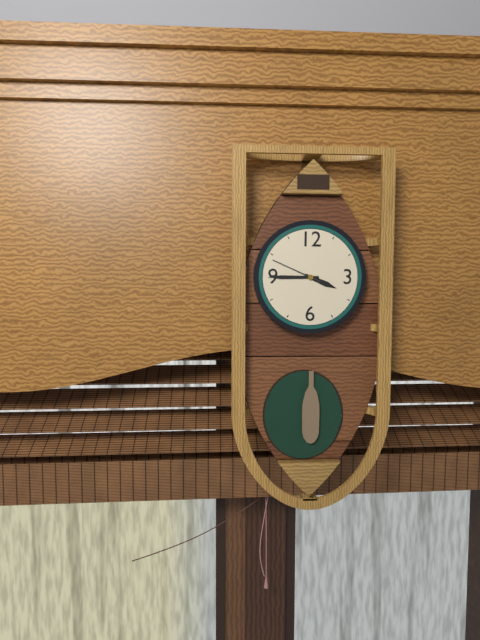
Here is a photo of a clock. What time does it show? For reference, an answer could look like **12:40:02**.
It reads **3:45:49**
